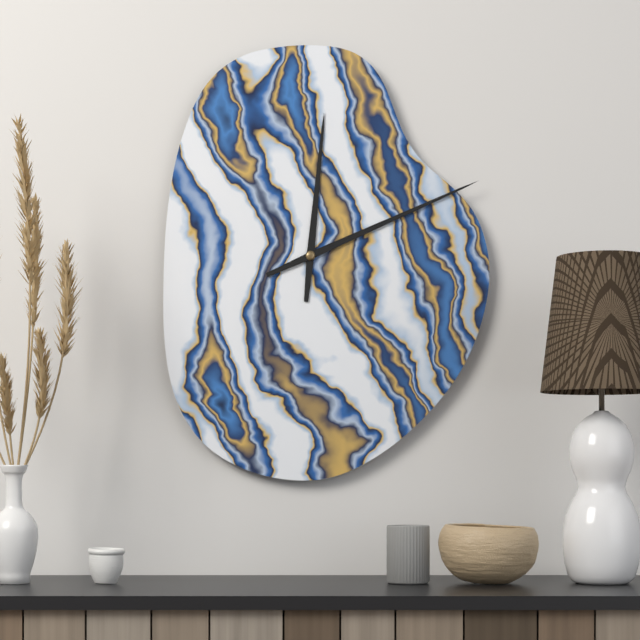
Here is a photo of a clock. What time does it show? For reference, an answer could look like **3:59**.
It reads **12:11**
